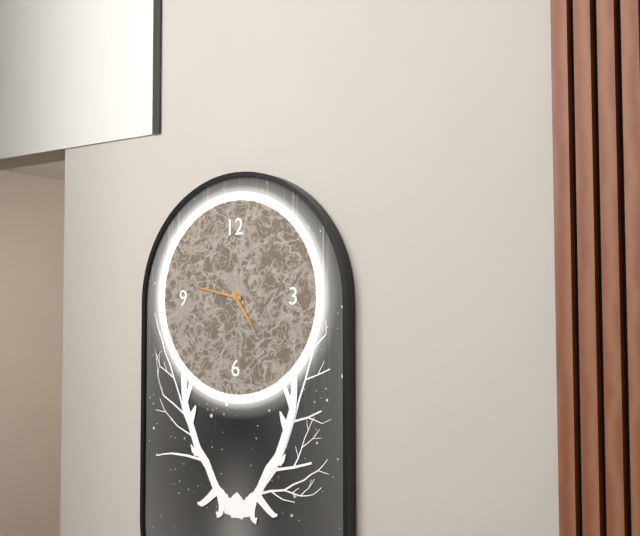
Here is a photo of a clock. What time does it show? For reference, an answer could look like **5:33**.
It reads **4:47**
